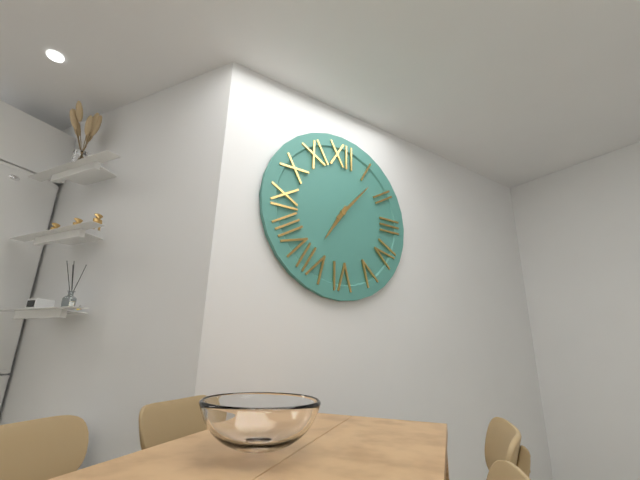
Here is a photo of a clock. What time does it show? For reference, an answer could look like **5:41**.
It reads **7:07**
